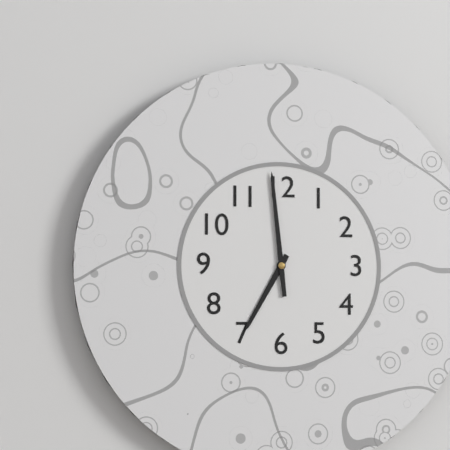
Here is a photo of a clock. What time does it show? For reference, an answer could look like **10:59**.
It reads **6:59**
